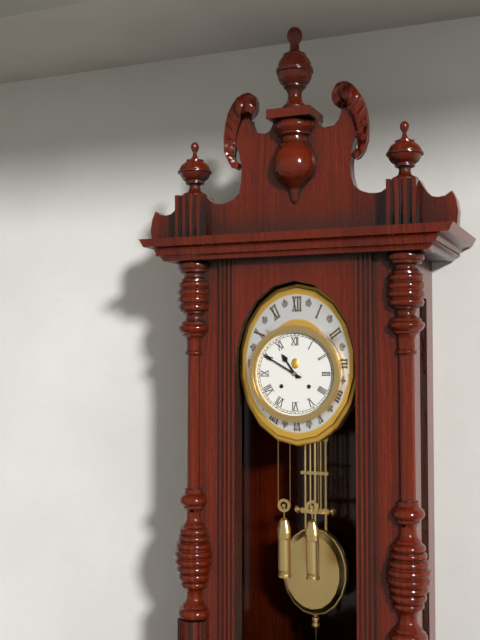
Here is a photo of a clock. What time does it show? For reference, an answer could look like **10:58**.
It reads **10:50**
